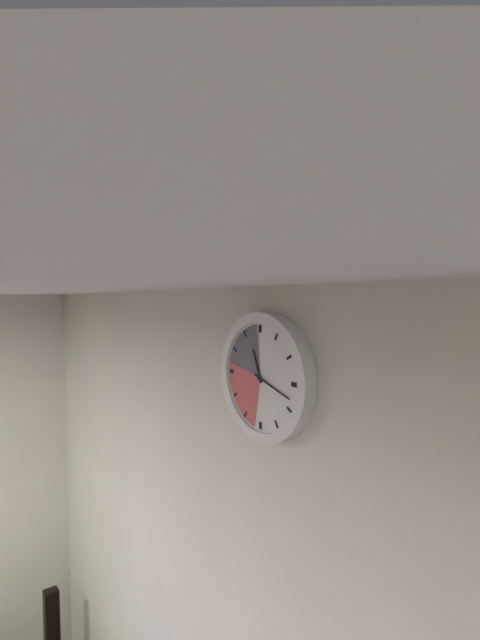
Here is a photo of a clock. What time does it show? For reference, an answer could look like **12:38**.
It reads **11:18**
